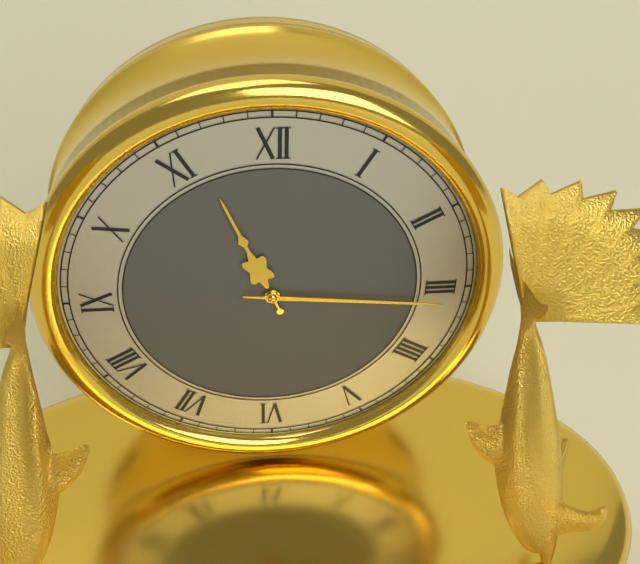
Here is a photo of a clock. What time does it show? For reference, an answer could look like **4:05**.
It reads **11:16**
